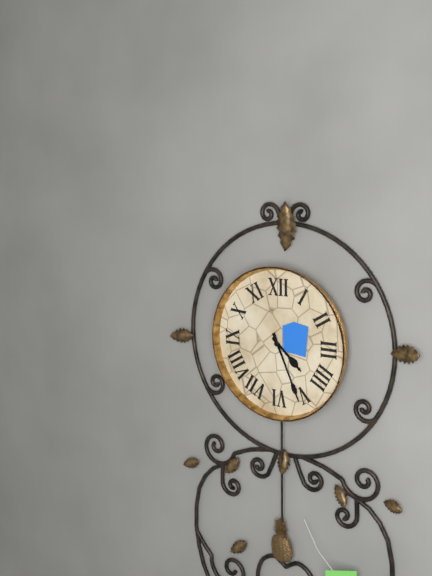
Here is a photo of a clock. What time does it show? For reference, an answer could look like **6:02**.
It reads **4:26**
